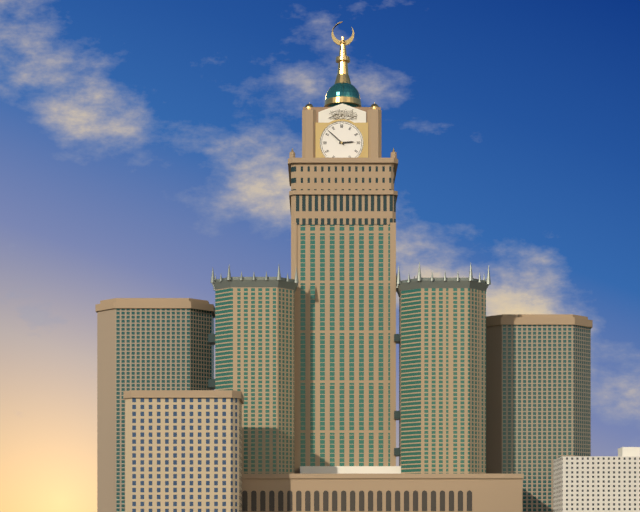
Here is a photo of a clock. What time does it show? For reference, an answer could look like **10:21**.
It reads **2:52**
